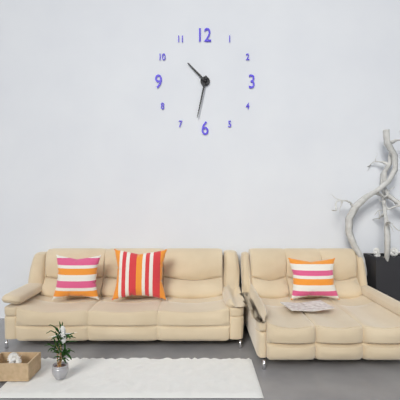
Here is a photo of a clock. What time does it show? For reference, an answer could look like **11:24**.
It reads **10:32**
